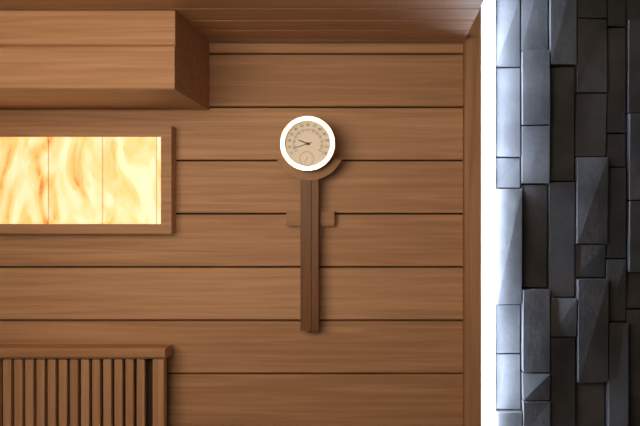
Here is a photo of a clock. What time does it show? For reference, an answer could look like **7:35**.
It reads **9:42**
